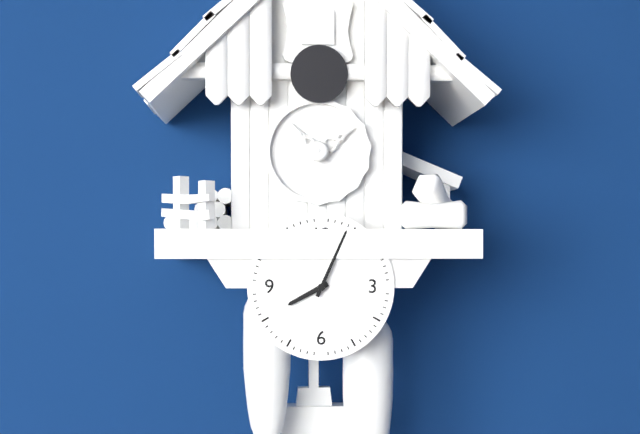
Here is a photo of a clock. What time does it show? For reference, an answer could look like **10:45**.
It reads **8:04**
